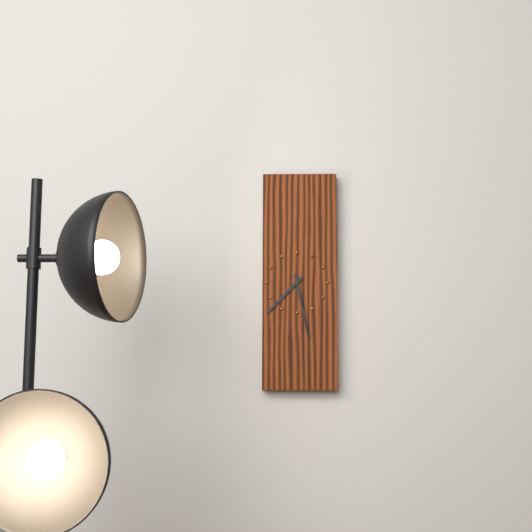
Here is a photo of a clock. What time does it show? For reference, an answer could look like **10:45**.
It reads **7:28**
